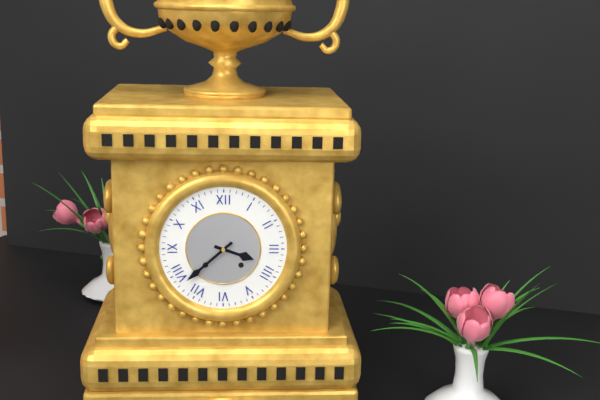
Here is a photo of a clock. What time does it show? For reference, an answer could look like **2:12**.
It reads **3:38**
